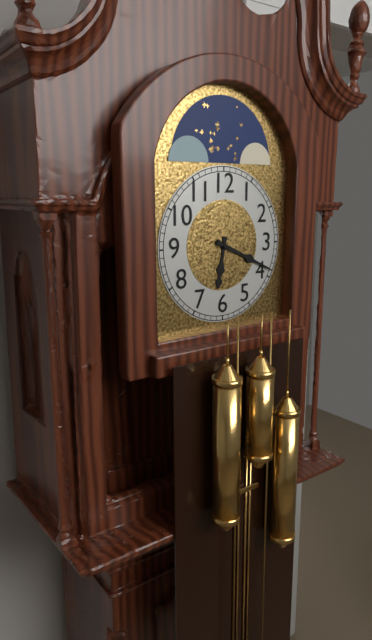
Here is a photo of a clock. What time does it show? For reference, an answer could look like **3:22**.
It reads **6:19**
